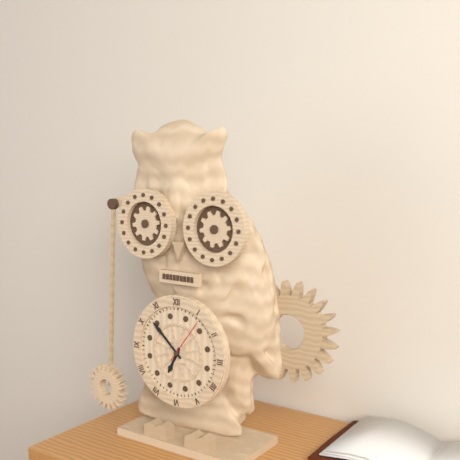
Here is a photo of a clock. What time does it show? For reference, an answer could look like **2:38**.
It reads **6:52**
